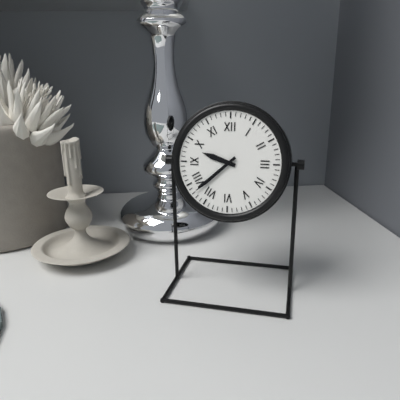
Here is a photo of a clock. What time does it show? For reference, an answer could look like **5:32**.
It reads **9:38**
